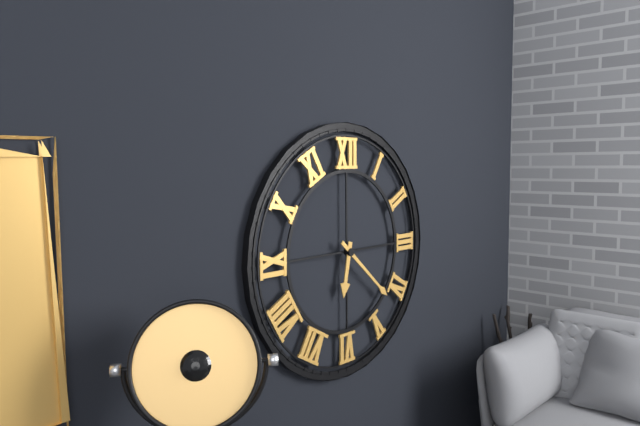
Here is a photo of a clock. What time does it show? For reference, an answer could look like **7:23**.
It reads **6:22**
